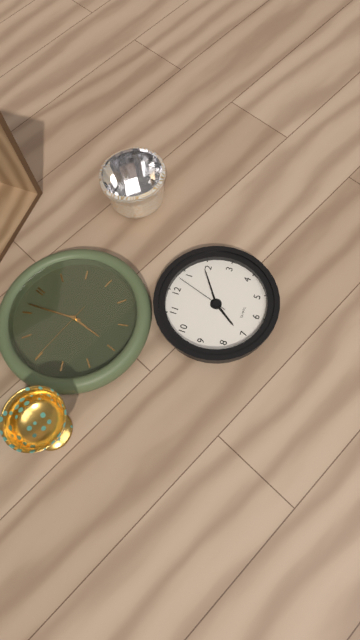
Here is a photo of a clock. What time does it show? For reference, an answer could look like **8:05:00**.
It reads **7:09:03**
